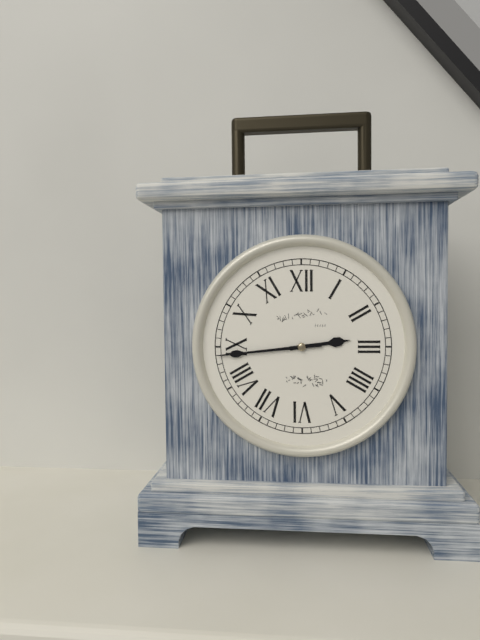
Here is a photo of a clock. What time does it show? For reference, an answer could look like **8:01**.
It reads **2:44**
